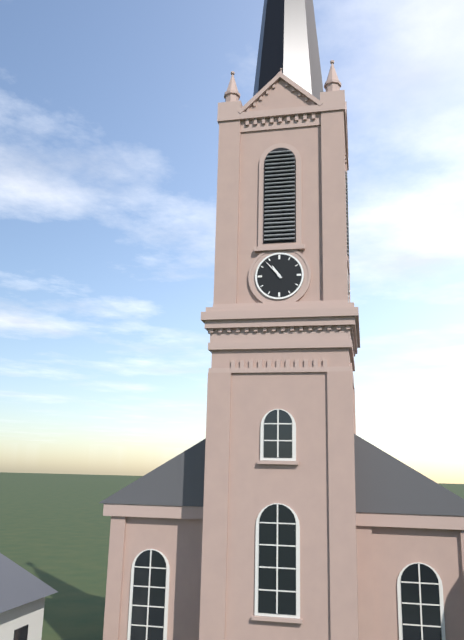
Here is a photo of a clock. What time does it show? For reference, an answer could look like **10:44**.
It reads **10:53**
